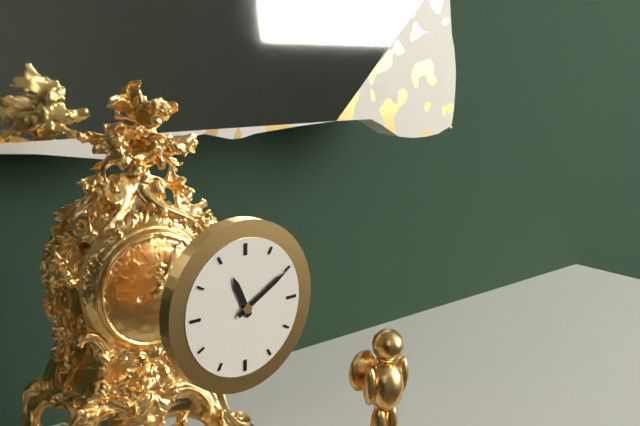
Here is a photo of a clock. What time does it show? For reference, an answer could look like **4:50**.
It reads **11:10**
